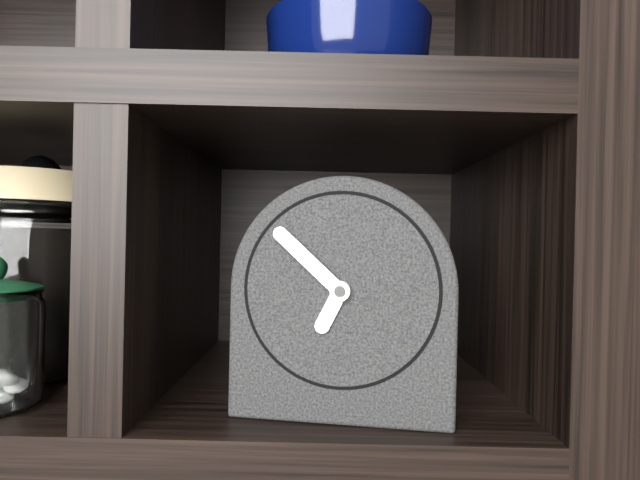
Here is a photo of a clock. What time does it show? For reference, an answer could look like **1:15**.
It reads **6:52**
